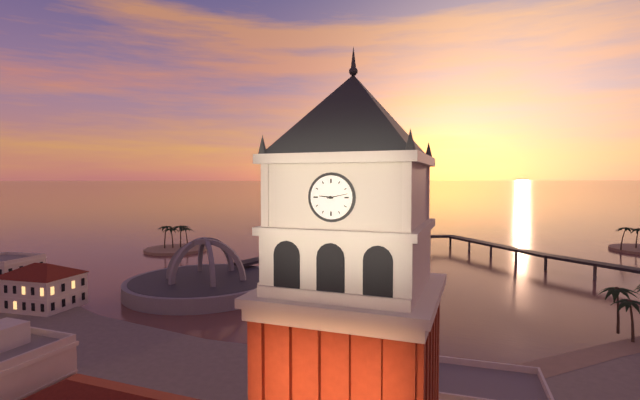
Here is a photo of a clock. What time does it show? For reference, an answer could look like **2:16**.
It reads **9:13**
